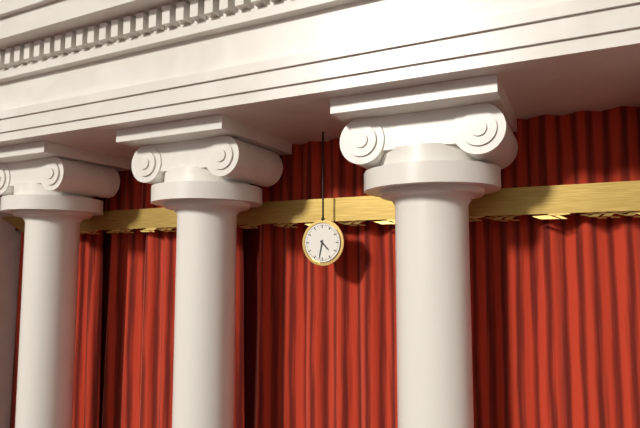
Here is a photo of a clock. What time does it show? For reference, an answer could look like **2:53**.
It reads **4:32**
